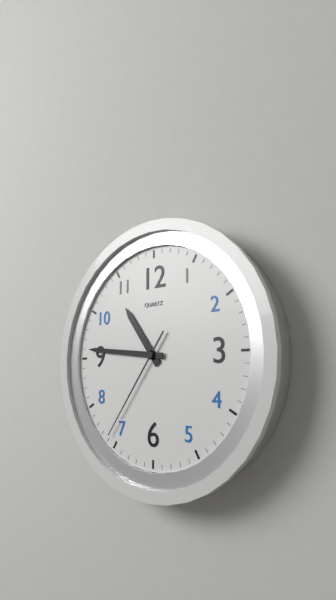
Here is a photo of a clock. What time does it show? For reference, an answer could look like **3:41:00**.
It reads **10:46:36**
